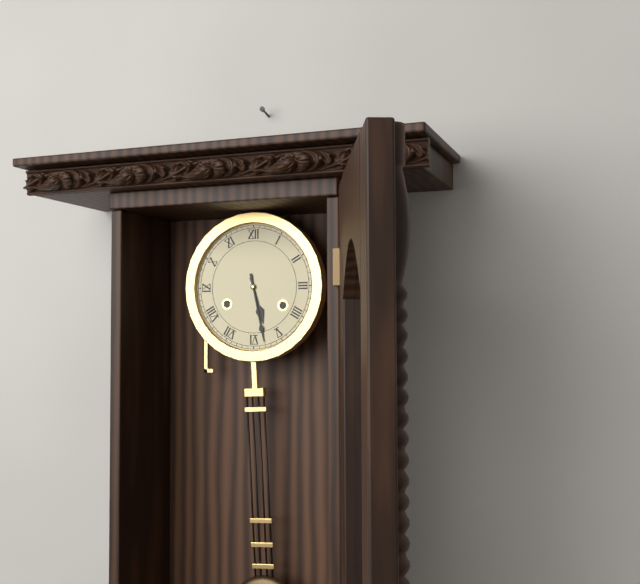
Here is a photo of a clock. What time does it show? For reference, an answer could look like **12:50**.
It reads **5:28**
